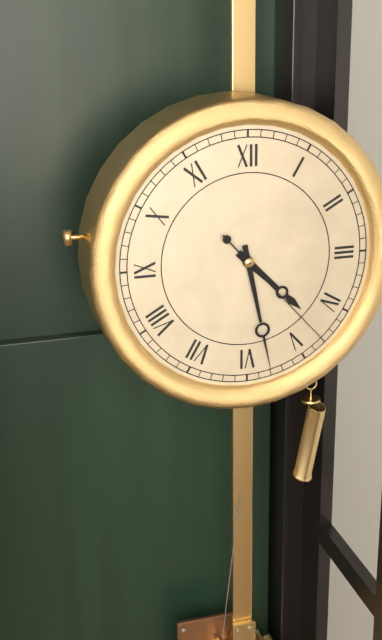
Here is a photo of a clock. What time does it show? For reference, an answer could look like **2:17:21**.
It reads **4:28:23**
